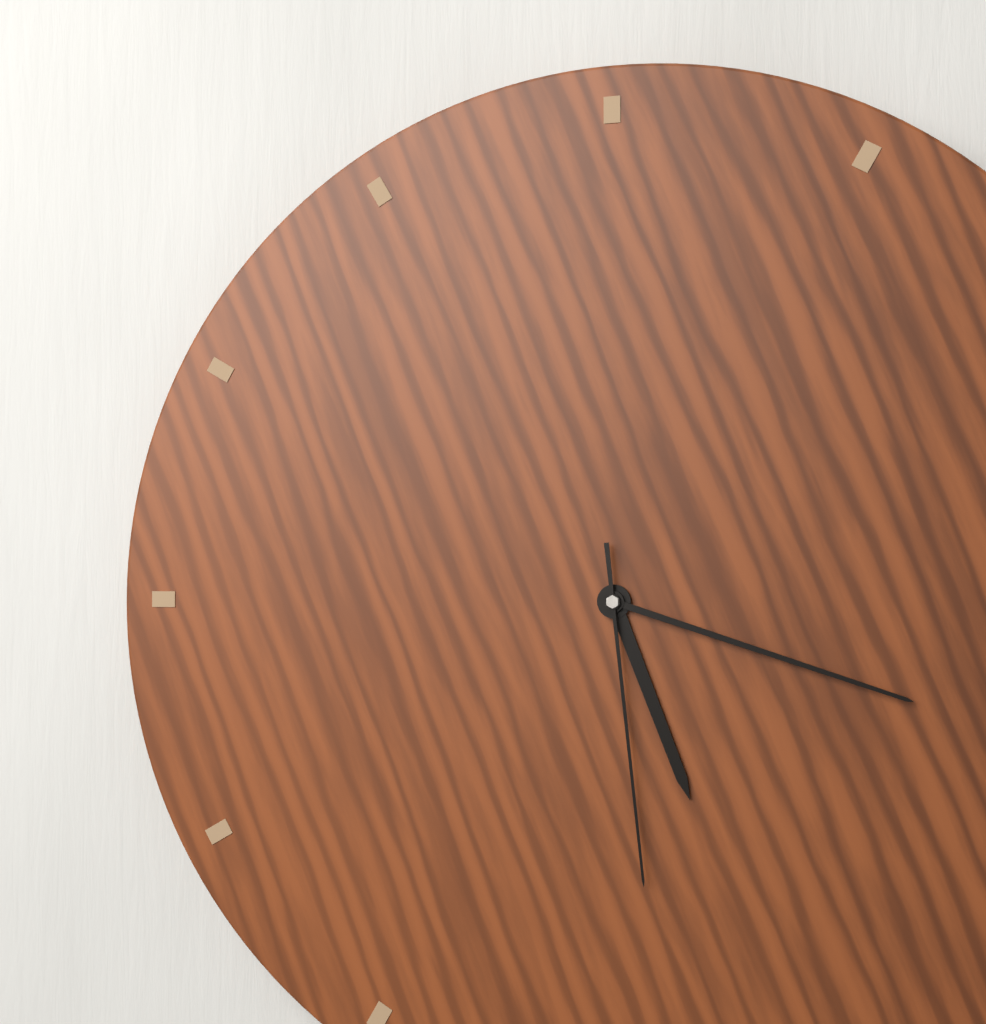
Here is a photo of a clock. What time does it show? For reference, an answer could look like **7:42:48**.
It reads **5:18:29**
